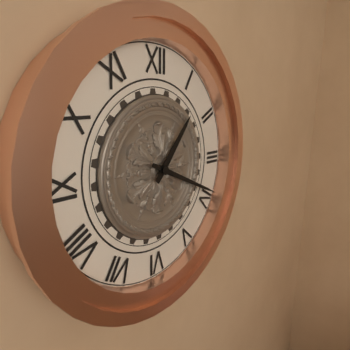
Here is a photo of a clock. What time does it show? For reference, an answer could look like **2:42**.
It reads **1:19**
